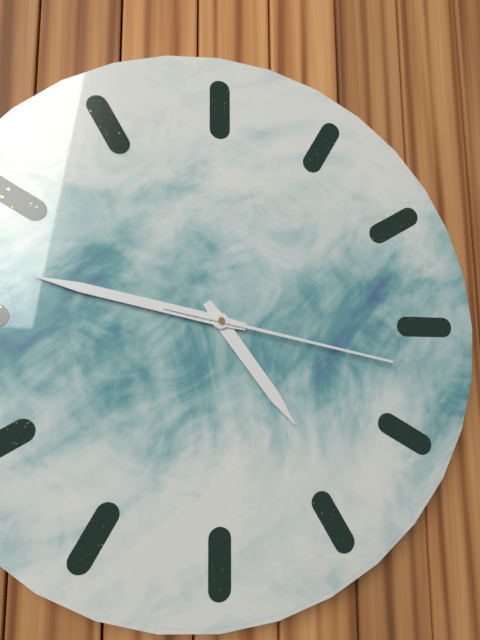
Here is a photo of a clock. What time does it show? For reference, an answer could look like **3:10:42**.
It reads **4:47:17**
